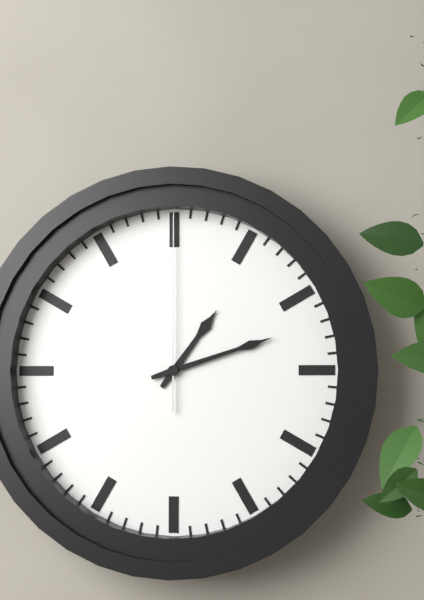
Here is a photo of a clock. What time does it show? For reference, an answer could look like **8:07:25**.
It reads **1:12:00**
